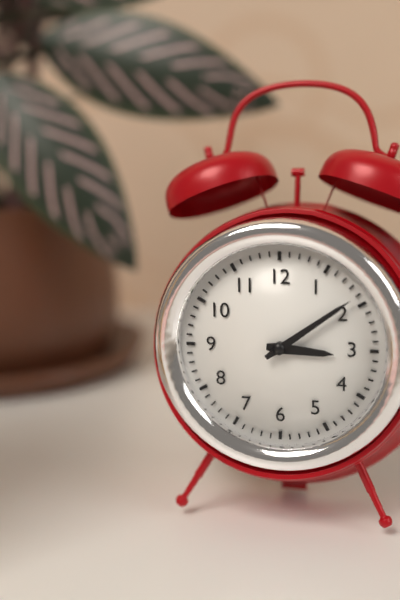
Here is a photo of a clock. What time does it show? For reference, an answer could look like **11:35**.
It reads **3:09**
